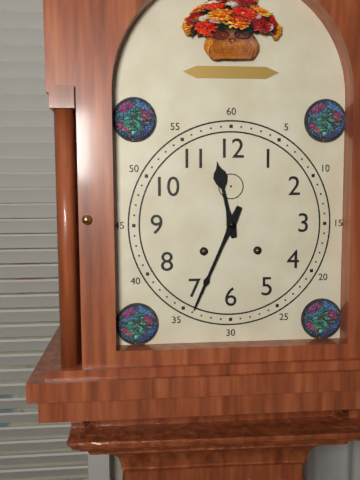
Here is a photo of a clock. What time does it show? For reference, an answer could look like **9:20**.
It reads **11:34**
